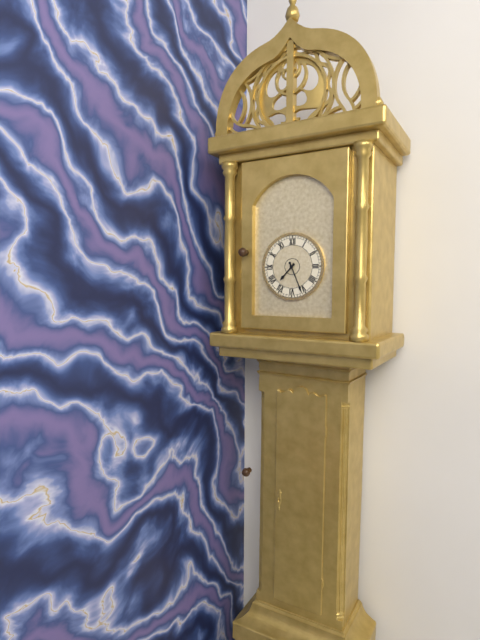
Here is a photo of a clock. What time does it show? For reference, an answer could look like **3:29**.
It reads **7:26**
